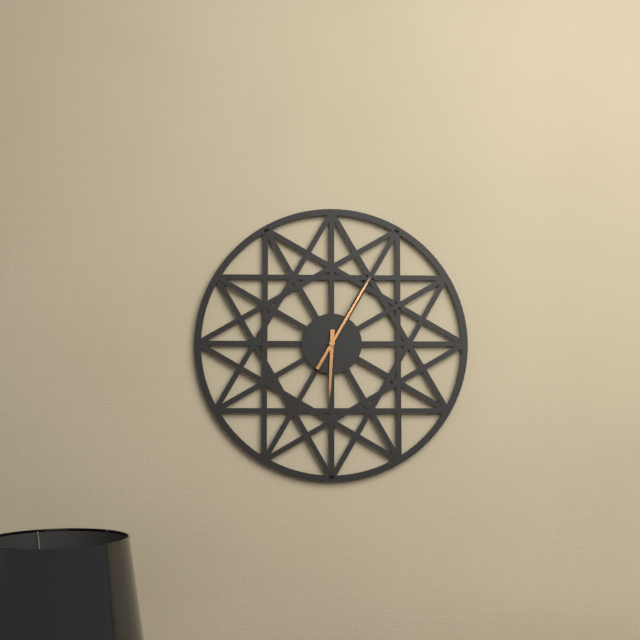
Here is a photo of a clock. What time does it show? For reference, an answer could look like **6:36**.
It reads **6:05**
